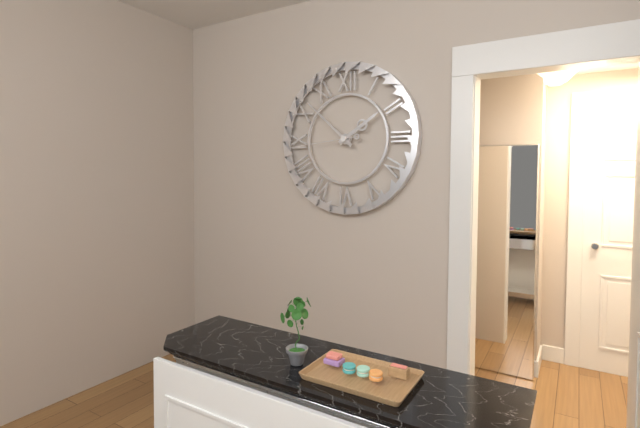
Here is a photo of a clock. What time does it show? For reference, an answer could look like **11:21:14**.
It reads **1:52:44**
